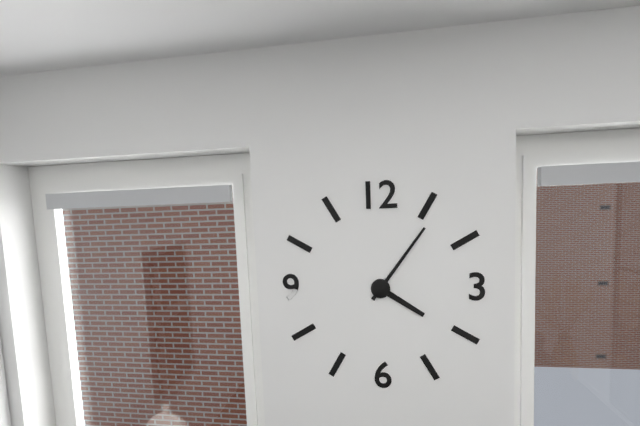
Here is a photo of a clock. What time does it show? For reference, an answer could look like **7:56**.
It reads **4:06**
